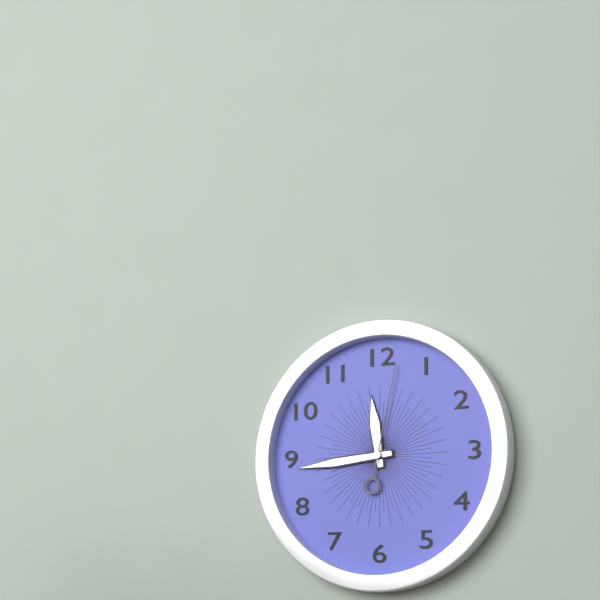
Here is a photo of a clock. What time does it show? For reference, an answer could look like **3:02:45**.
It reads **11:44:02**
